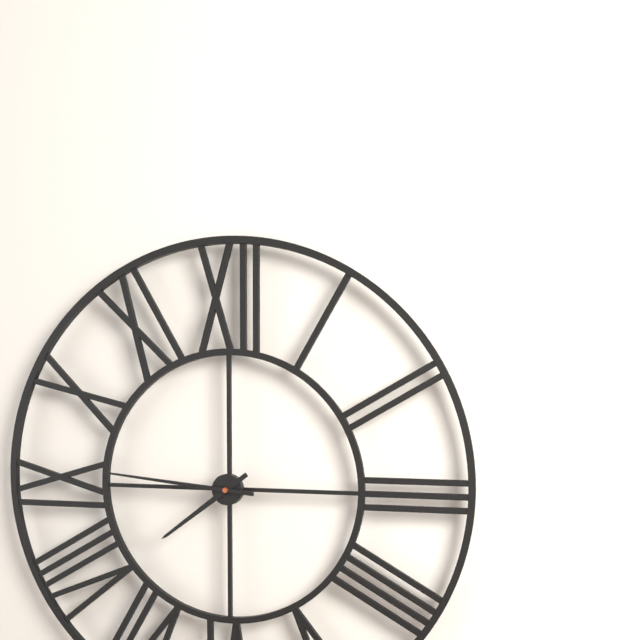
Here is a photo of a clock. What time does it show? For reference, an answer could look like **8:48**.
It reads **7:46**
